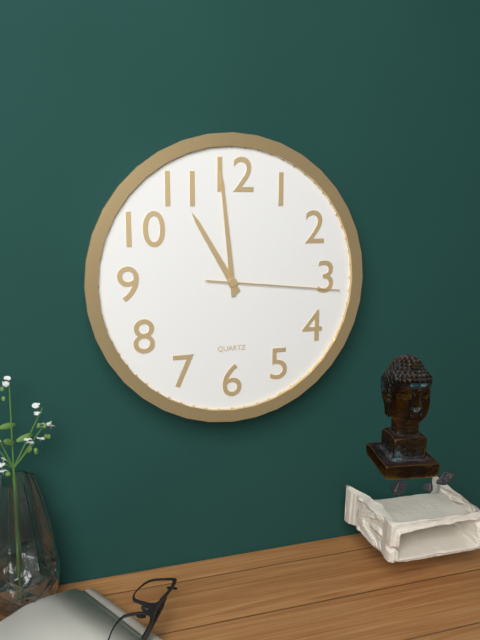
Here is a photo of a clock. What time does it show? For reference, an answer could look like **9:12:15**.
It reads **10:59:16**
